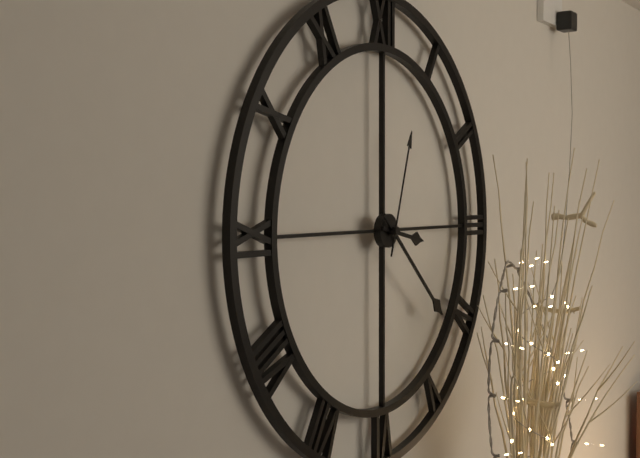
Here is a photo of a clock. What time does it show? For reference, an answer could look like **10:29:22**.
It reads **3:22:03**
